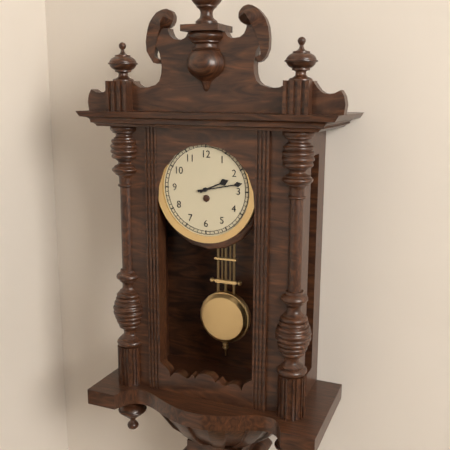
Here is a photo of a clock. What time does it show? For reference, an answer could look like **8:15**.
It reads **2:13**
